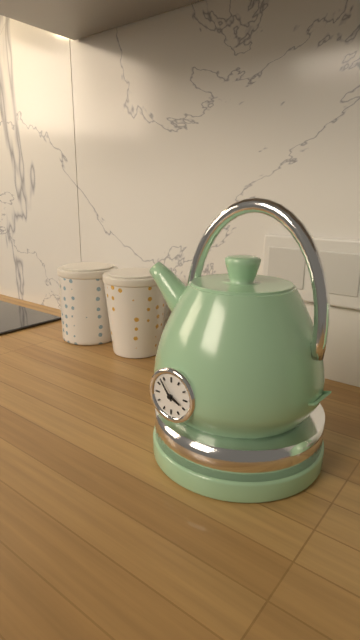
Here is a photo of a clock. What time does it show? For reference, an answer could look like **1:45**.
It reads **3:54**
